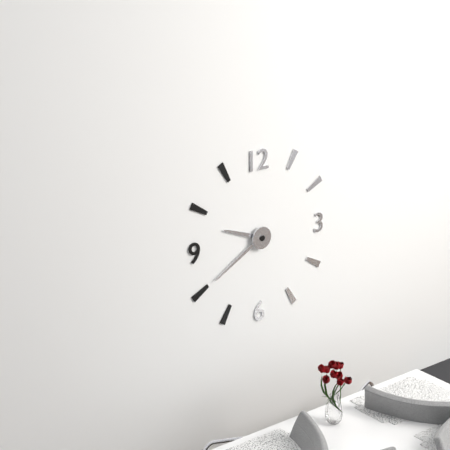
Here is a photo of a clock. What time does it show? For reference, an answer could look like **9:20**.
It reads **9:40**
